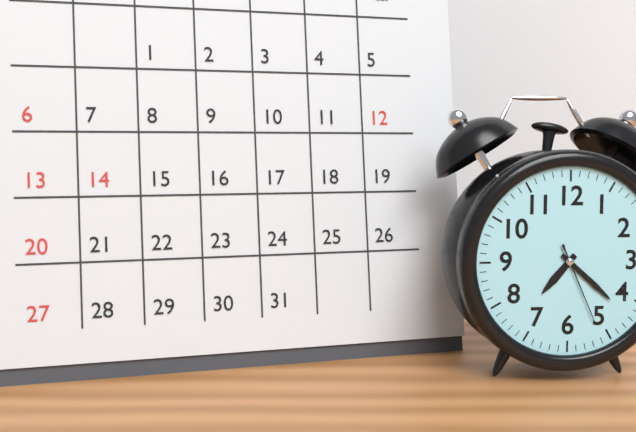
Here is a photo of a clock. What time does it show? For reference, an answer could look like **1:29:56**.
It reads **7:22:26**
